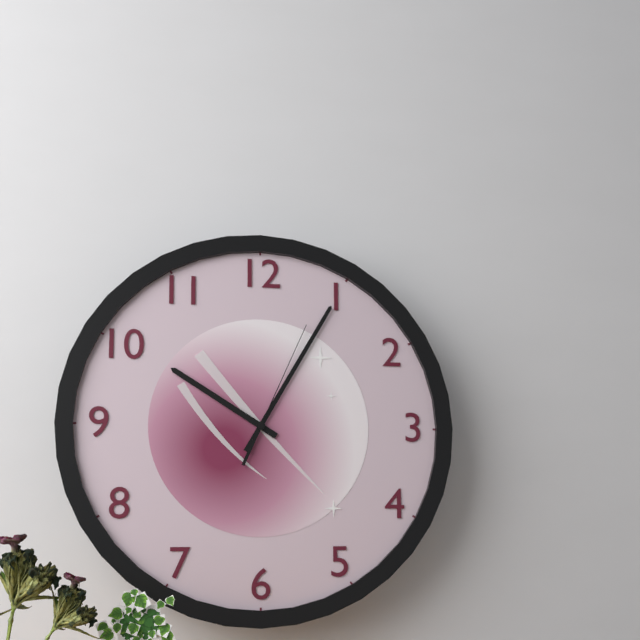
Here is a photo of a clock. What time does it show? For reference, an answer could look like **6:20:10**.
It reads **10:05:04**
